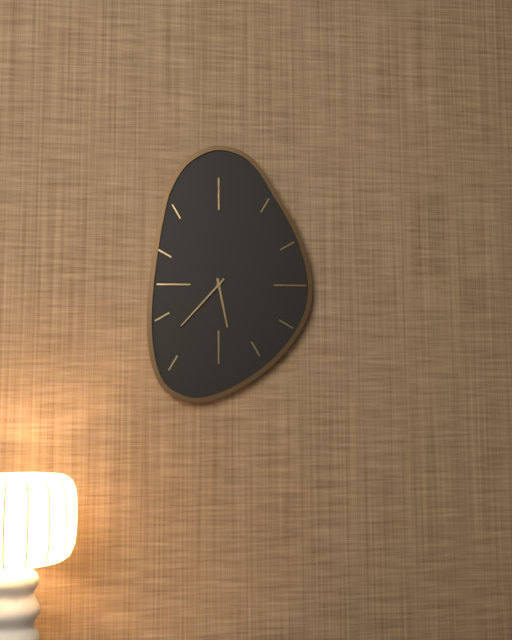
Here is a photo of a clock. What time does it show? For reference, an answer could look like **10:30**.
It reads **5:37**
